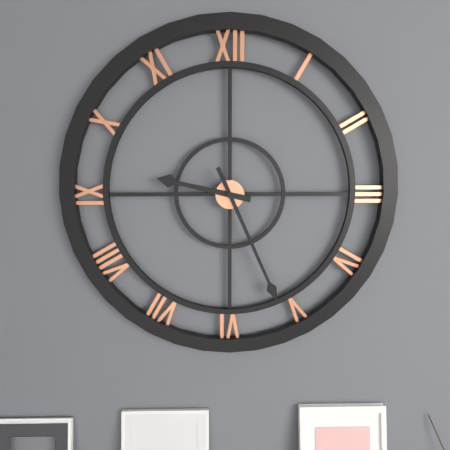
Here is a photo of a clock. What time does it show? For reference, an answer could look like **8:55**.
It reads **9:26**
